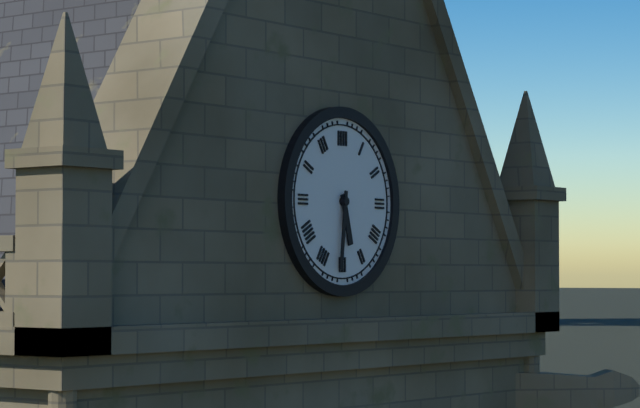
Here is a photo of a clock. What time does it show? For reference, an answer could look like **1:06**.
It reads **5:31**
